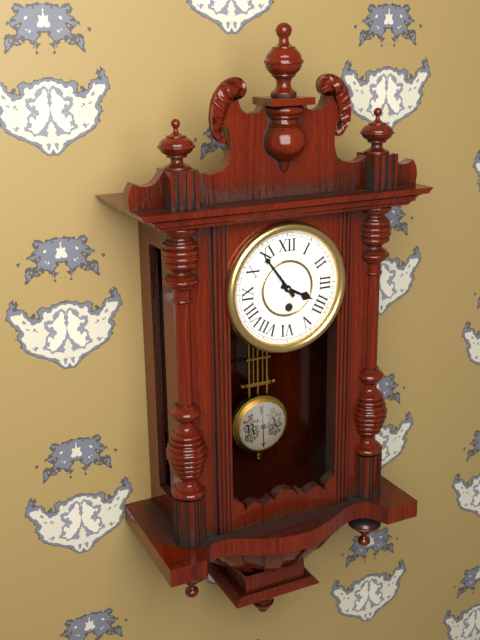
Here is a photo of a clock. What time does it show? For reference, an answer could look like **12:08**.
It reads **3:54**
